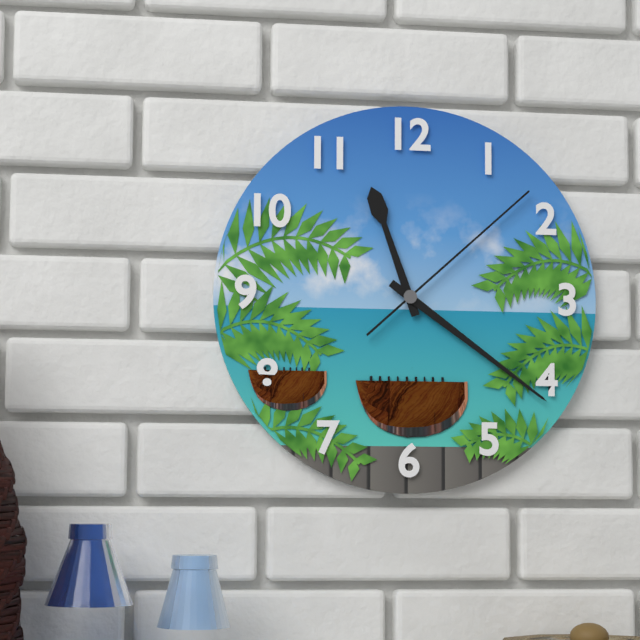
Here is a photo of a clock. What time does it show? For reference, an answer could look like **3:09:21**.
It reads **11:21:08**
